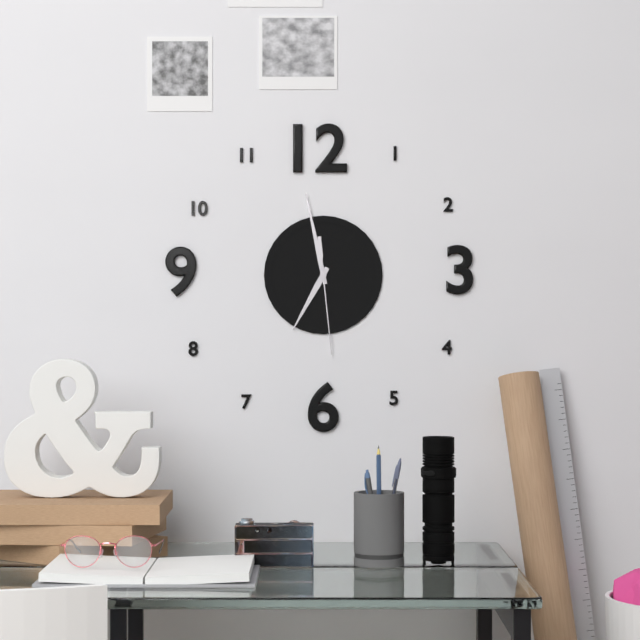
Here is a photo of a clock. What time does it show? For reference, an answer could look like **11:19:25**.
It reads **6:58:29**
